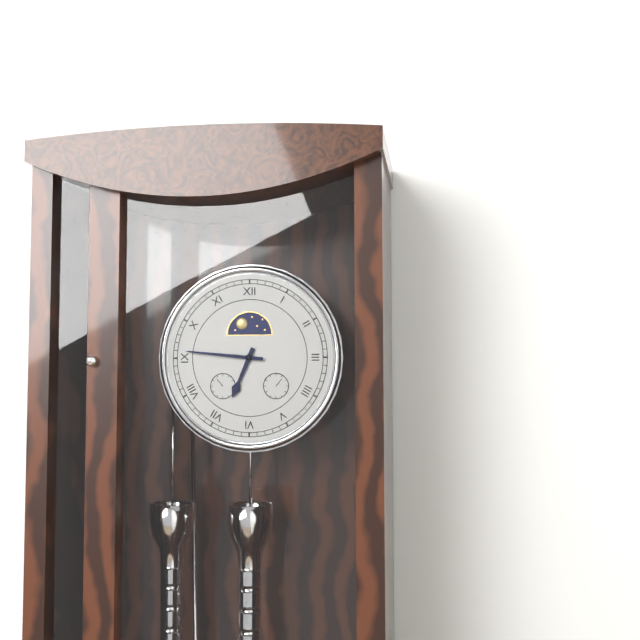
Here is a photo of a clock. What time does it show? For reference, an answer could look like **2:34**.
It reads **6:46**
